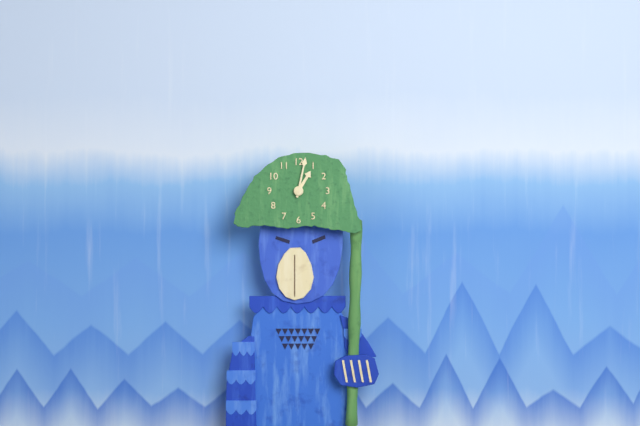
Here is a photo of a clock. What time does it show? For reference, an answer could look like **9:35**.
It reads **1:02**
